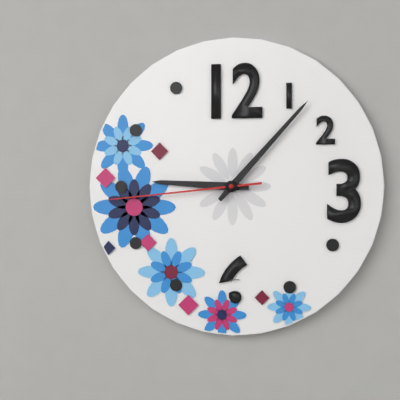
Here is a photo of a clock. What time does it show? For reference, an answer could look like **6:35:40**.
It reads **9:07:44**
